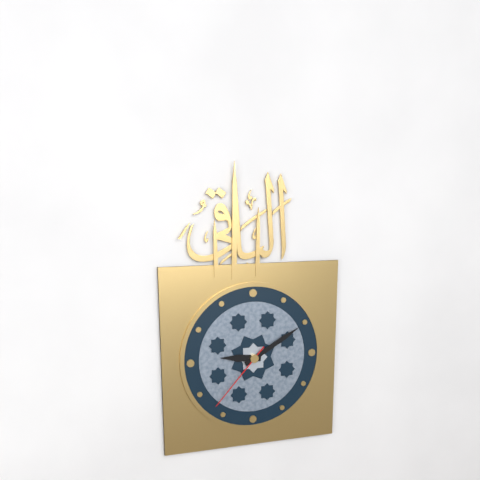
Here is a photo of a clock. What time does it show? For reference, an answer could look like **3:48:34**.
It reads **9:10:37**
